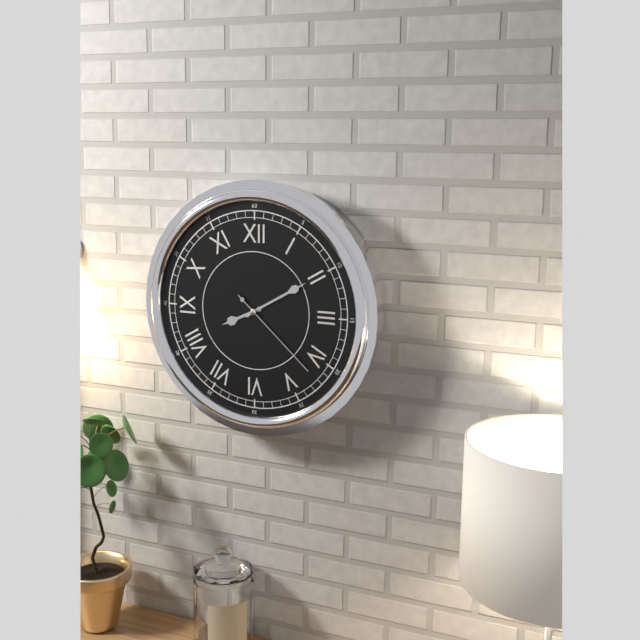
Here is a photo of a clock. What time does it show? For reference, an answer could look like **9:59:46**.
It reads **8:10:22**
